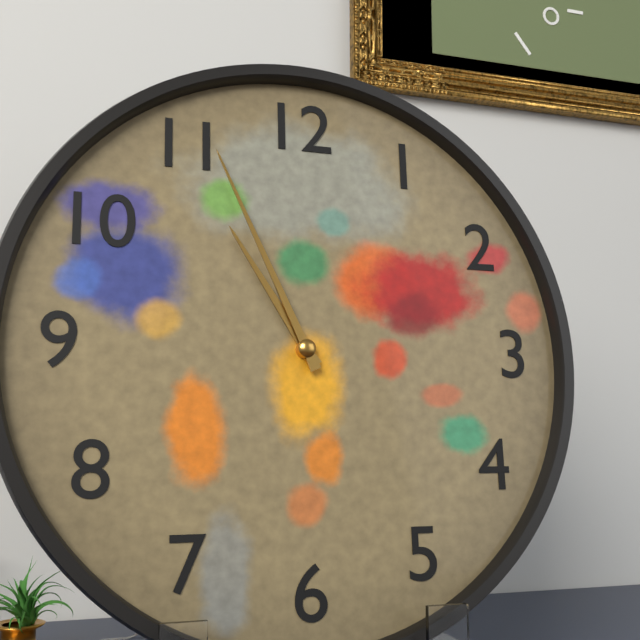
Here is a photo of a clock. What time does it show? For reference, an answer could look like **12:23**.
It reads **10:56**
